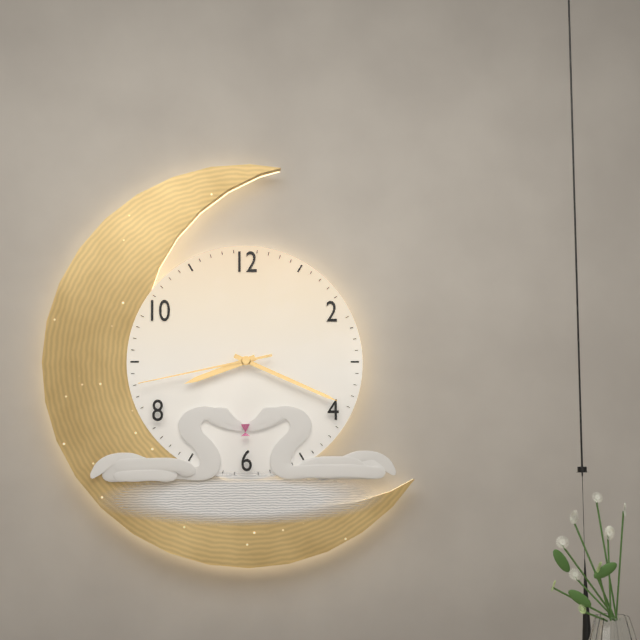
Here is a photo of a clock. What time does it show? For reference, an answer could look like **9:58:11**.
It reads **8:19:43**
